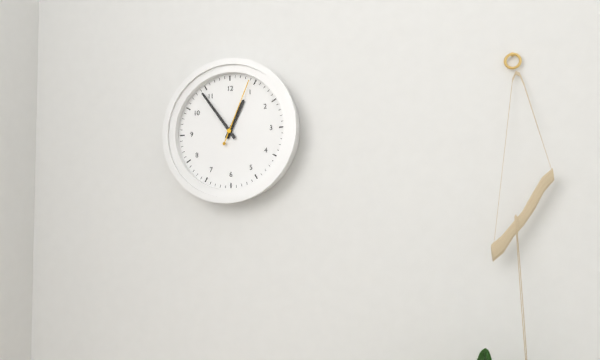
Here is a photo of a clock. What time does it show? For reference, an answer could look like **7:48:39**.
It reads **12:54:04**
